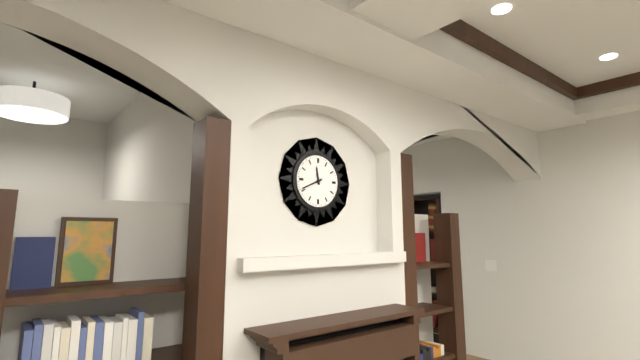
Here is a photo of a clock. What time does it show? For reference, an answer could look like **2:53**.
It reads **11:41**
